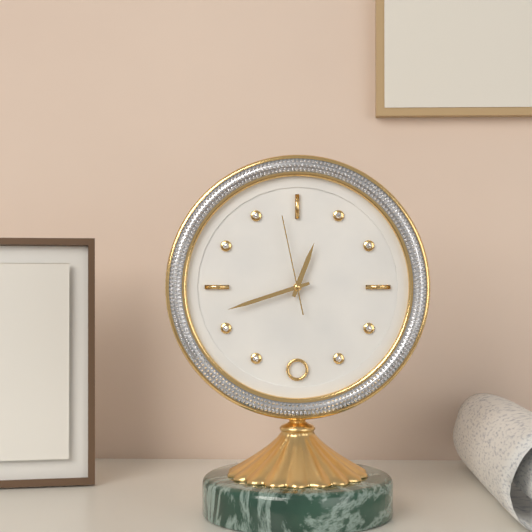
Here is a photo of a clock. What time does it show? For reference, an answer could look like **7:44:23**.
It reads **12:42:58**
